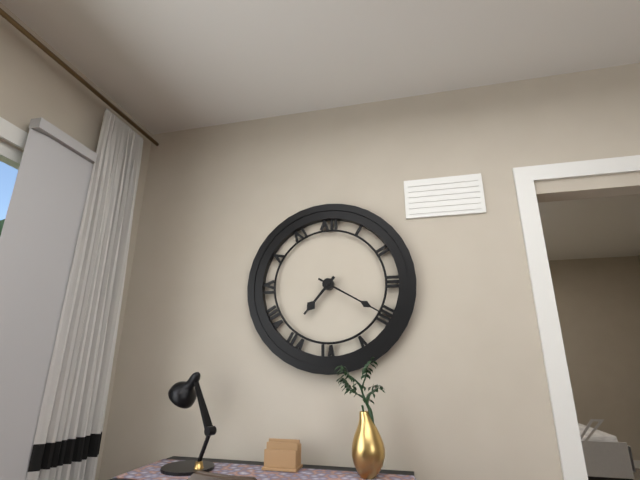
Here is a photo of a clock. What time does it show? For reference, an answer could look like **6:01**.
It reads **7:20**
